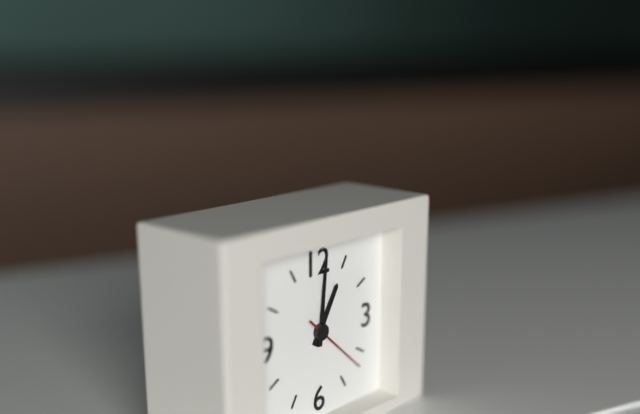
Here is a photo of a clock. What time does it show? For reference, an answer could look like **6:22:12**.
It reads **1:01:22**
